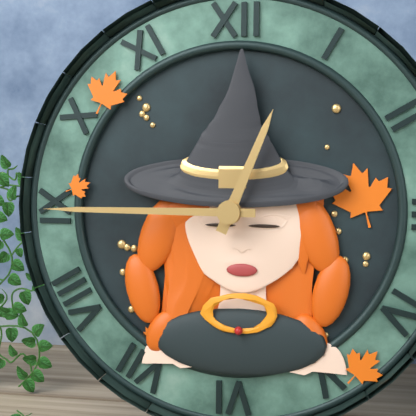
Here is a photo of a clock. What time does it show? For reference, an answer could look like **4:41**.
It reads **12:45**
